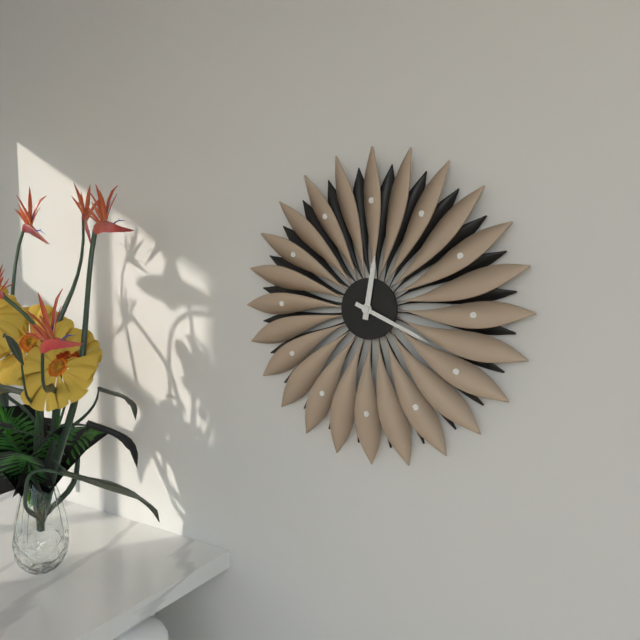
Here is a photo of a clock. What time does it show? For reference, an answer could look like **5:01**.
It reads **12:19**
